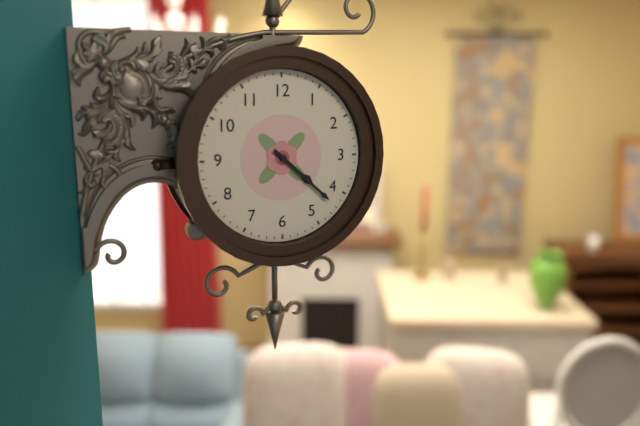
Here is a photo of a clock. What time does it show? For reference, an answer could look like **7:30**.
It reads **4:22**
